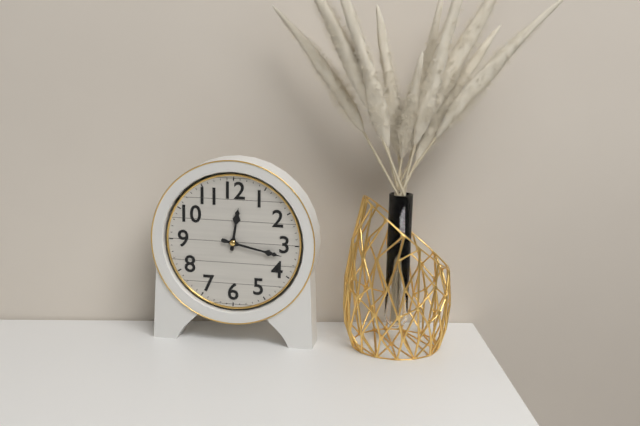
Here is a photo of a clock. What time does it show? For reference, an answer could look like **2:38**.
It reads **12:17**
